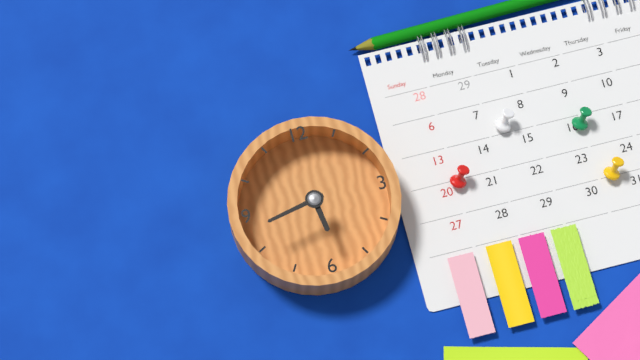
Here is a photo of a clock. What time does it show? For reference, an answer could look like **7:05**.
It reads **5:43**
